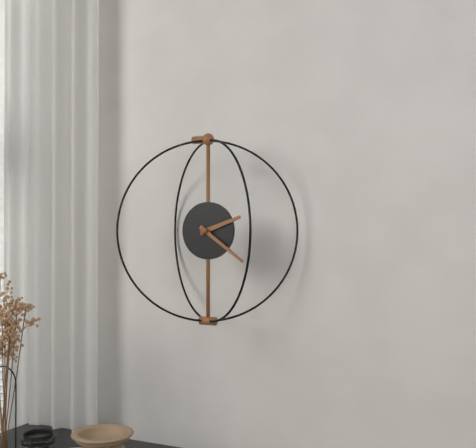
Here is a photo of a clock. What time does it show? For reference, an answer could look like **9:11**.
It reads **2:21**
